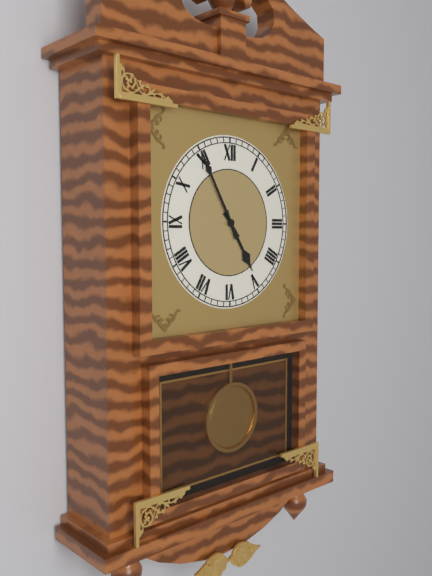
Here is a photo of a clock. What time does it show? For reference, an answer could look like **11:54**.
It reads **4:55**
